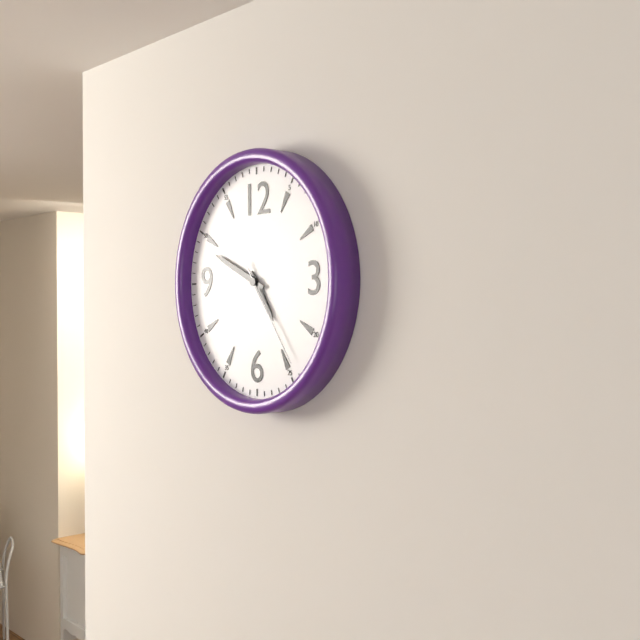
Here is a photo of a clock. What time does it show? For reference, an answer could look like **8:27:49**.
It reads **4:49:24**
